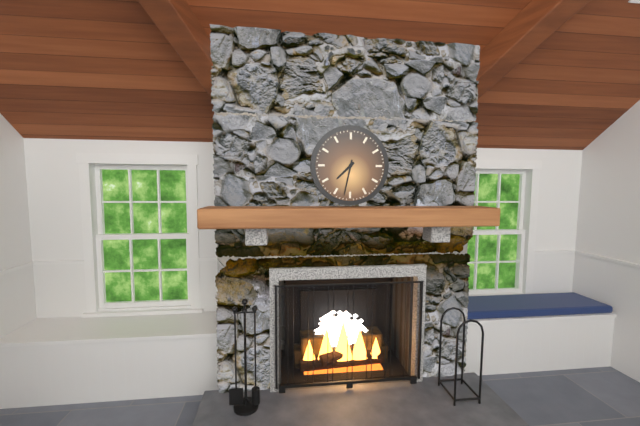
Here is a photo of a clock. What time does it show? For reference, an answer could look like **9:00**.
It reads **7:32**
